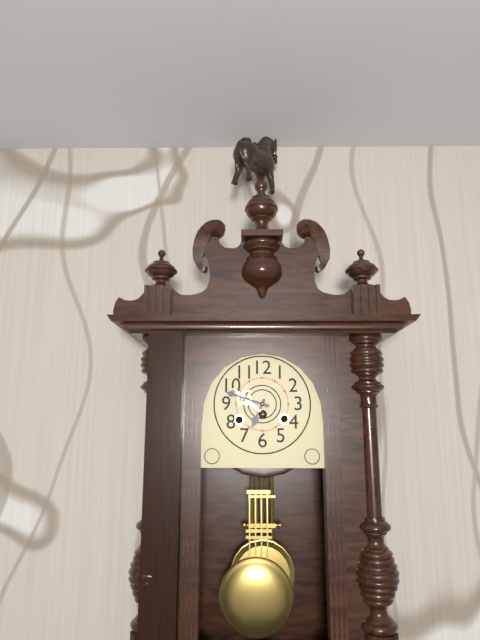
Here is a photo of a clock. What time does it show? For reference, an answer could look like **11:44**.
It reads **6:48**
